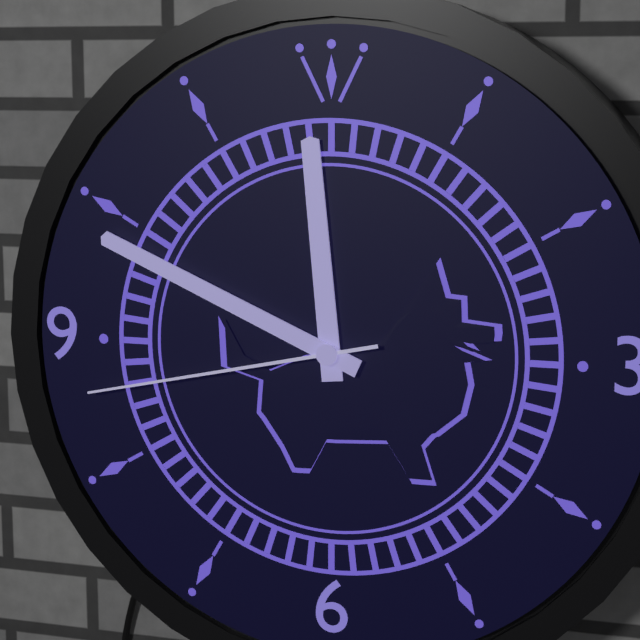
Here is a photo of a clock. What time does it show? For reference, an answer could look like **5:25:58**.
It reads **11:49:43**
